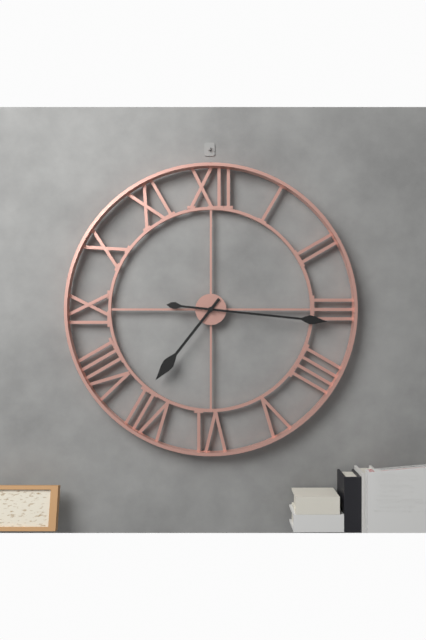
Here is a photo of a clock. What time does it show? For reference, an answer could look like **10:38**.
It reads **7:16**
